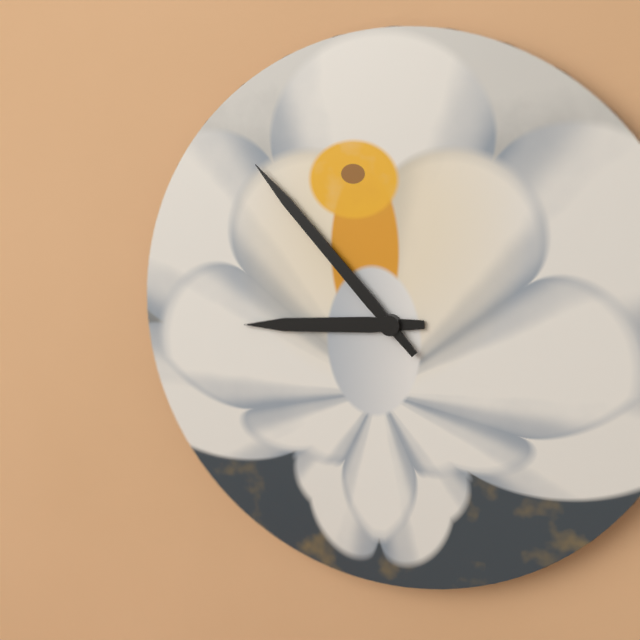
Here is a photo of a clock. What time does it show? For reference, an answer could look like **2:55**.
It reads **8:53**
